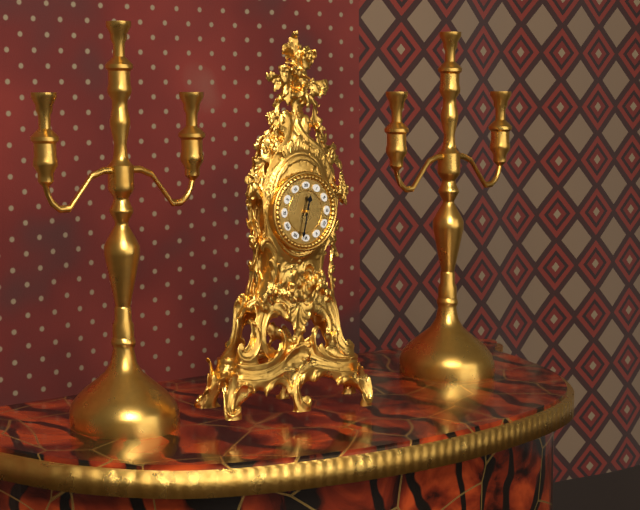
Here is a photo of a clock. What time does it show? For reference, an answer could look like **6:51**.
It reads **12:32**
